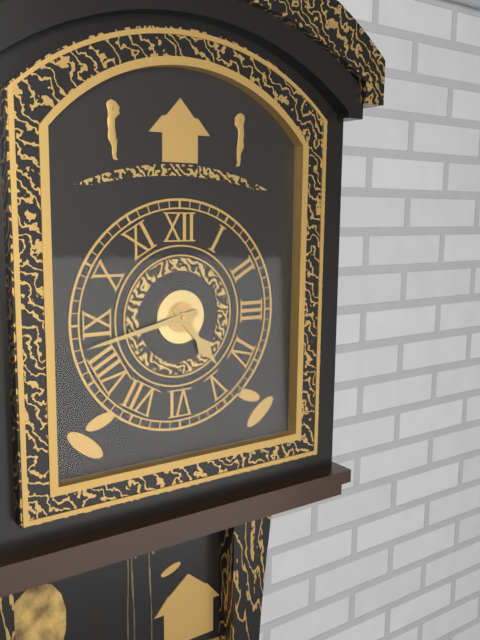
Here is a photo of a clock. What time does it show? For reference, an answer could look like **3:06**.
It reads **4:43**
